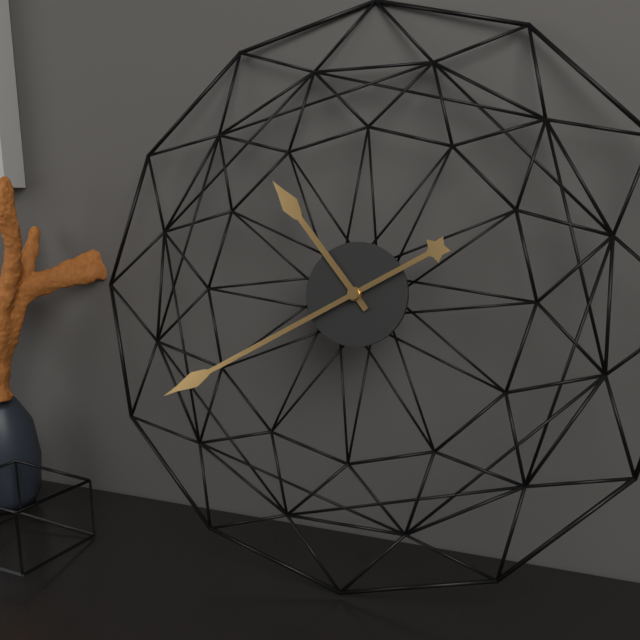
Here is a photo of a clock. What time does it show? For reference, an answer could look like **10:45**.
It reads **10:40**
